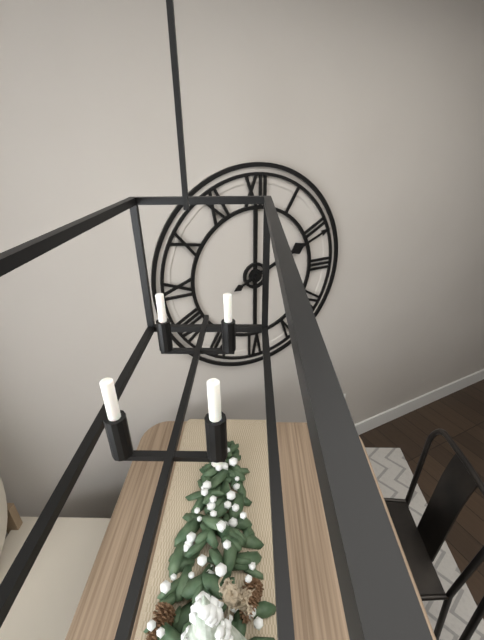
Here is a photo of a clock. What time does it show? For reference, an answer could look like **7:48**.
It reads **2:11**
